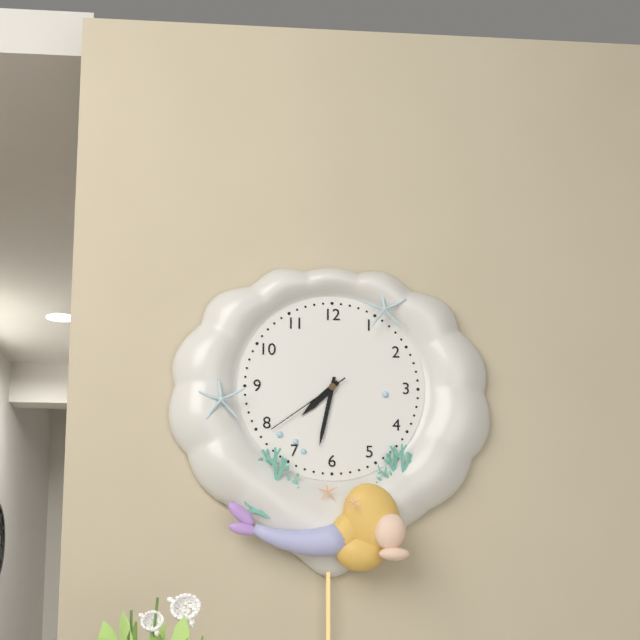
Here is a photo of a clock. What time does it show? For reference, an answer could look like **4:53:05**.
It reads **7:32:39**
